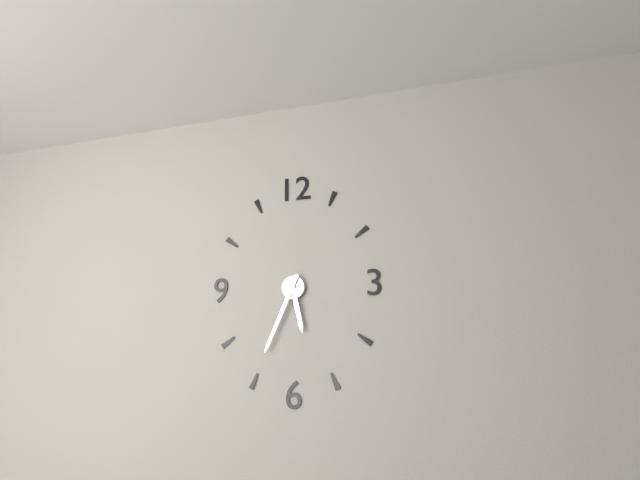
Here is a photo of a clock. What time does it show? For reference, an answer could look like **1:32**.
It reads **5:34**
